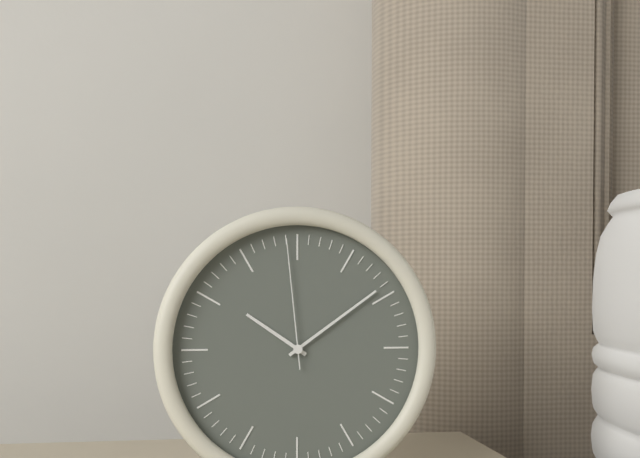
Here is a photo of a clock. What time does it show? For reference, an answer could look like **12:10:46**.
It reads **10:09:59**
